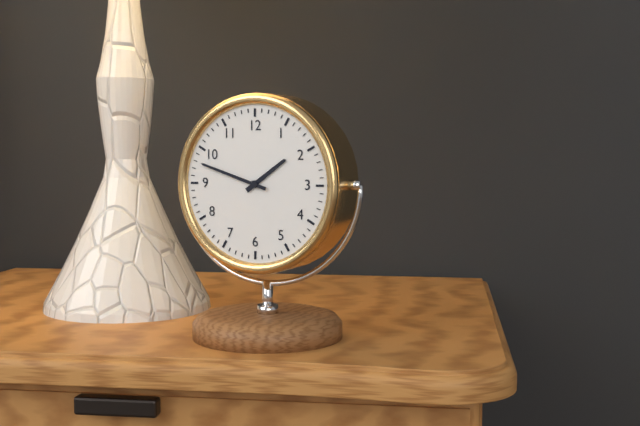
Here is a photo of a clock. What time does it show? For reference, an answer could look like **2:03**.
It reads **1:48**
